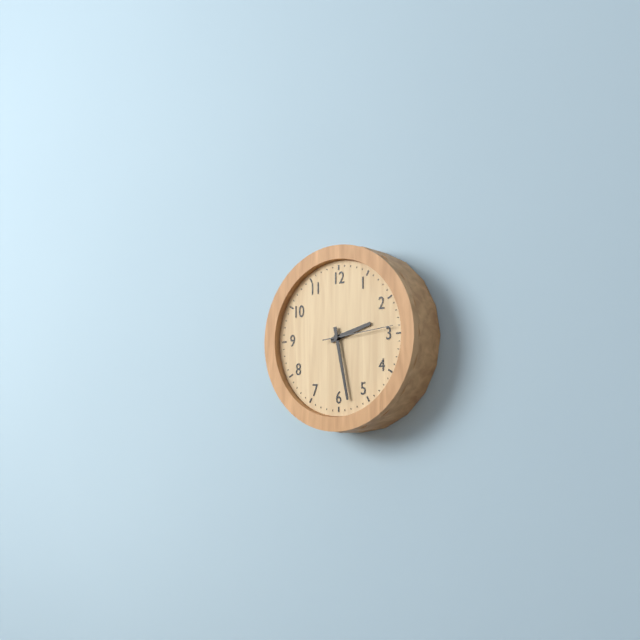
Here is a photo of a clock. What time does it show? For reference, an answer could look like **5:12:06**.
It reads **2:28:14**
